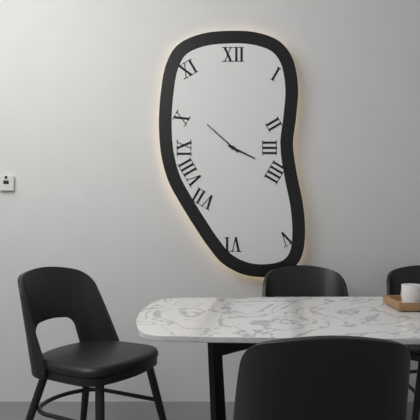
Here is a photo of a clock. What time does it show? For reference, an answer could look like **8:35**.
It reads **3:52**
